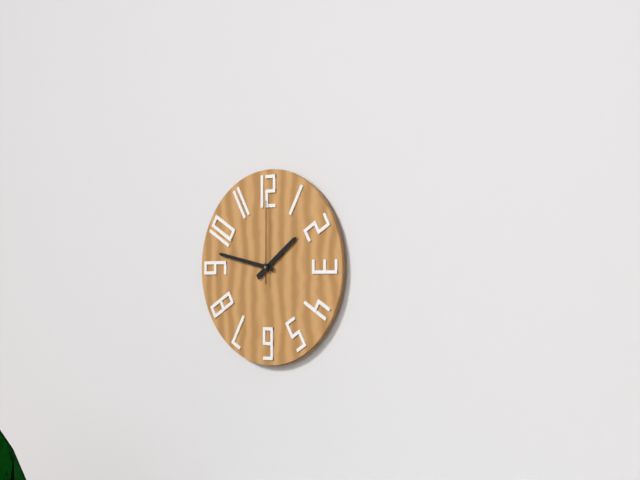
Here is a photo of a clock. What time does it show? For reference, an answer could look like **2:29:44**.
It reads **1:47:00**
